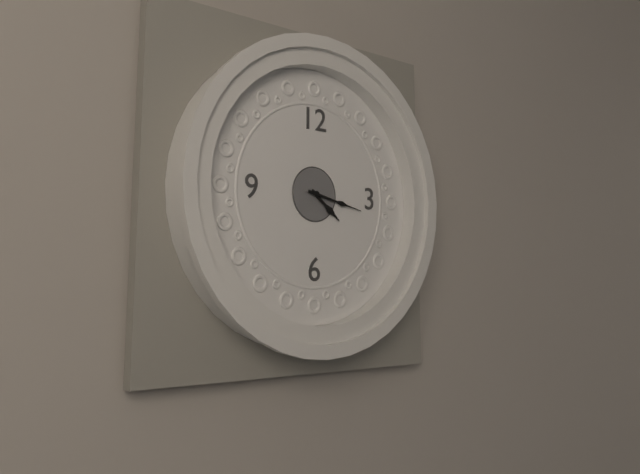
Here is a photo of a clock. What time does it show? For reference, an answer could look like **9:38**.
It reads **4:17**
